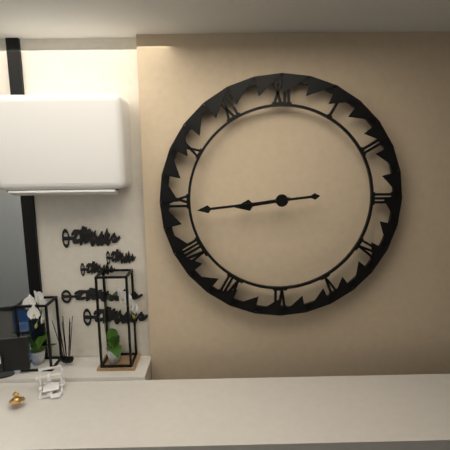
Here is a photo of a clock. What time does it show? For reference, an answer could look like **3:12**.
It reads **8:44**
